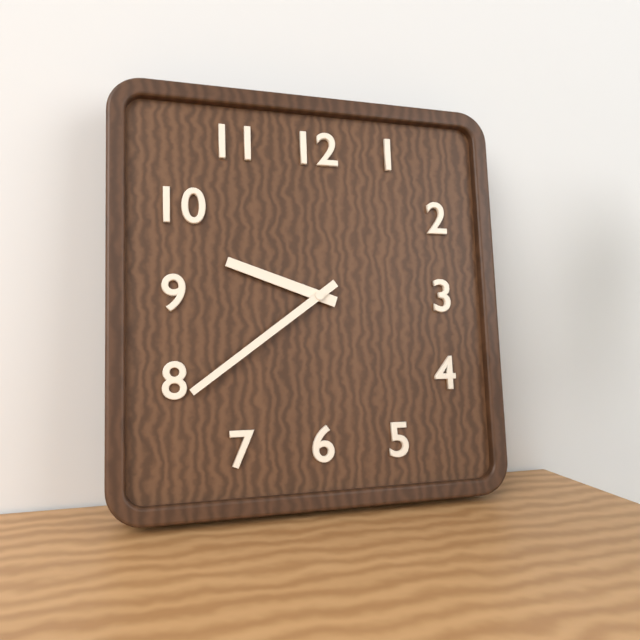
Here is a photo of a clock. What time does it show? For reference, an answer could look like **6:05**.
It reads **9:39**
